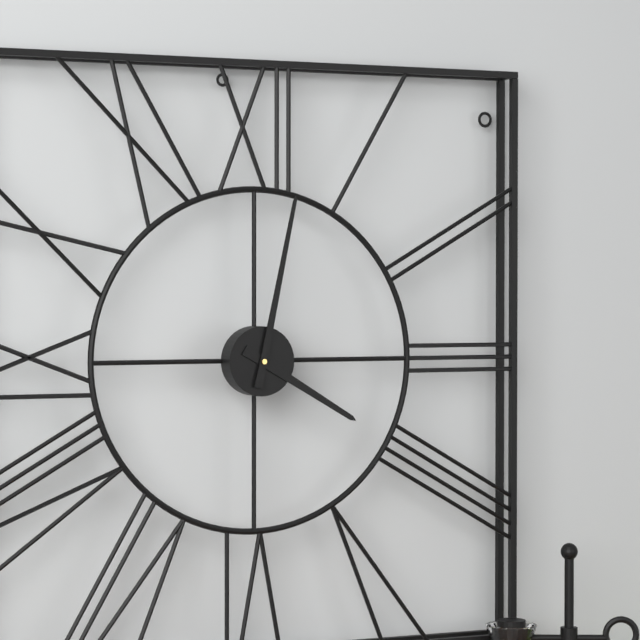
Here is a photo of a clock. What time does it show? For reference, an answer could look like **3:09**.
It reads **4:02**
